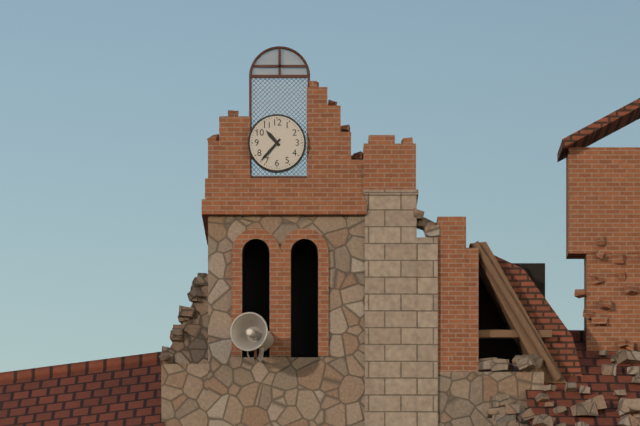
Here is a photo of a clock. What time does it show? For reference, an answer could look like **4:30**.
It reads **10:37**
